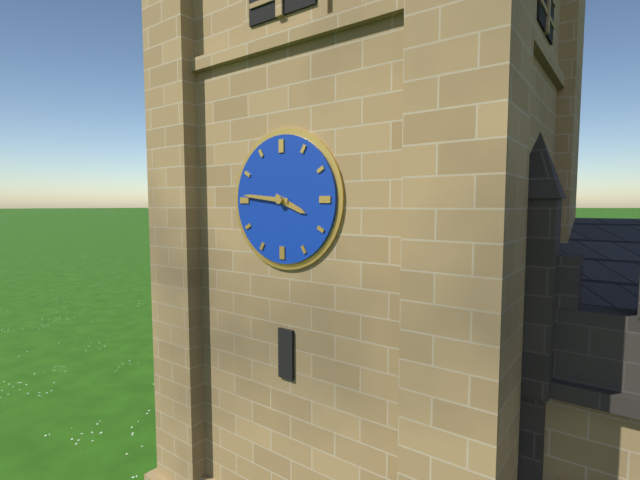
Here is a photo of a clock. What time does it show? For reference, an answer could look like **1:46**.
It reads **3:46**
